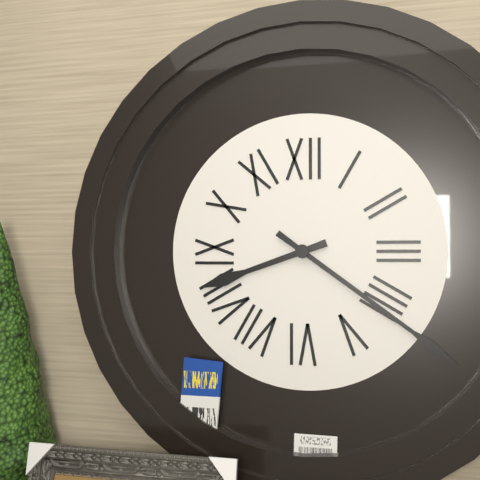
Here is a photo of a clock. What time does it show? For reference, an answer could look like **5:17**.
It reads **8:21**
